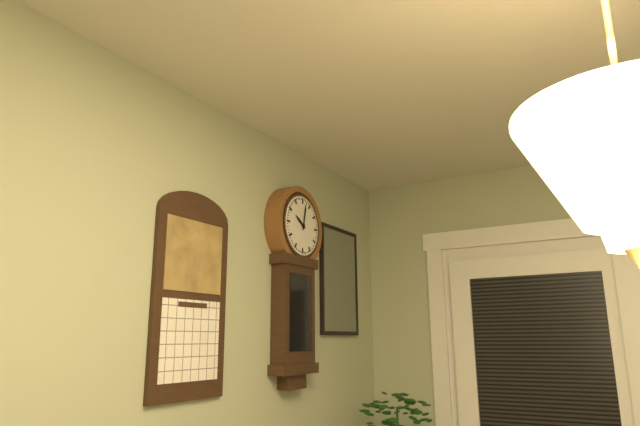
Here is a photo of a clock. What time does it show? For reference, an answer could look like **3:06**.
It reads **10:02**
